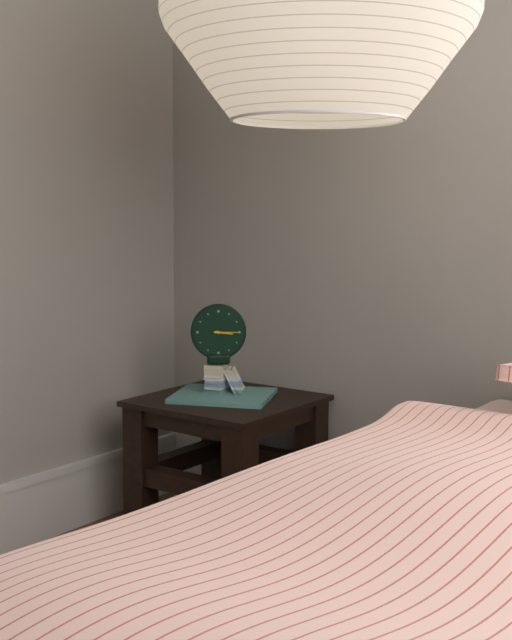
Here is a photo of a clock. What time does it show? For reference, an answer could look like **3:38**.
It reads **3:15**
